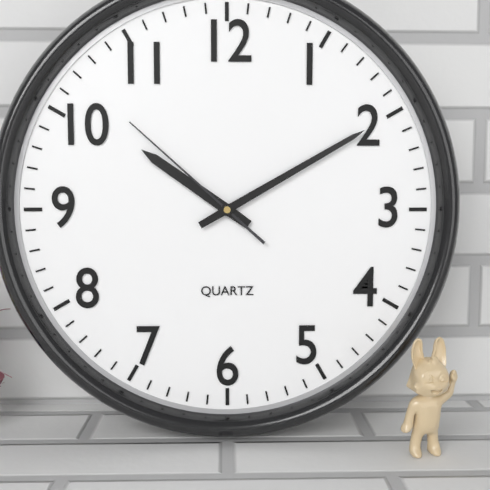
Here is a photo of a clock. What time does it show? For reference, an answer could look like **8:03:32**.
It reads **10:10:52**
